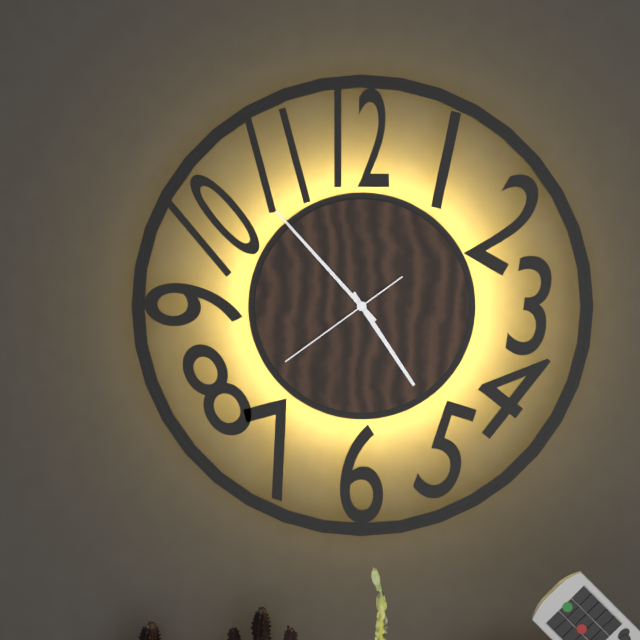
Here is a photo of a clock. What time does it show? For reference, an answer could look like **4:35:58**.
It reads **4:53:39**
